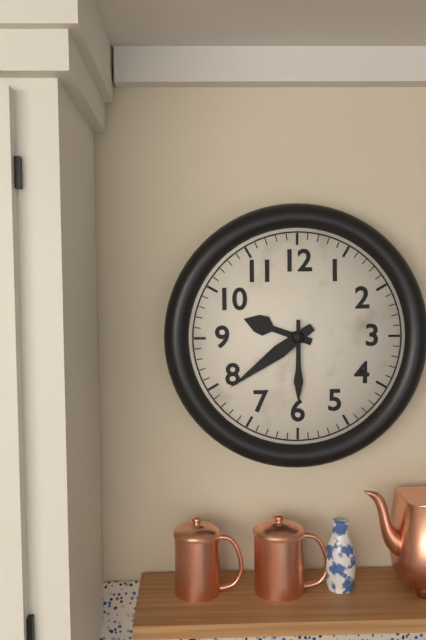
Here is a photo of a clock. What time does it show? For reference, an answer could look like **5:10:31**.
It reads **9:39:30**
